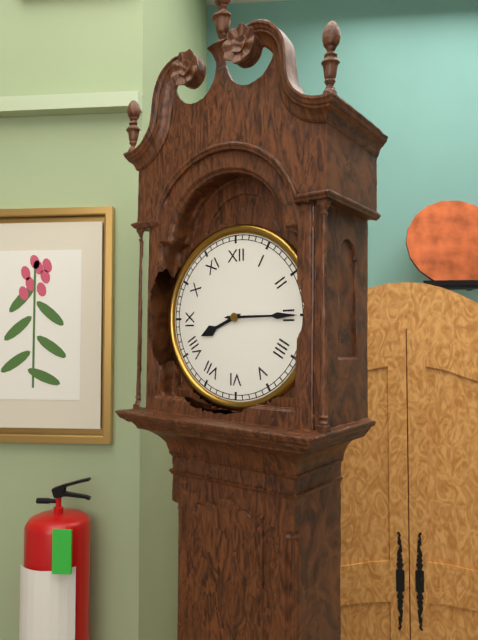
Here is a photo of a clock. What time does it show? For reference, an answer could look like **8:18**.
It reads **8:15**
